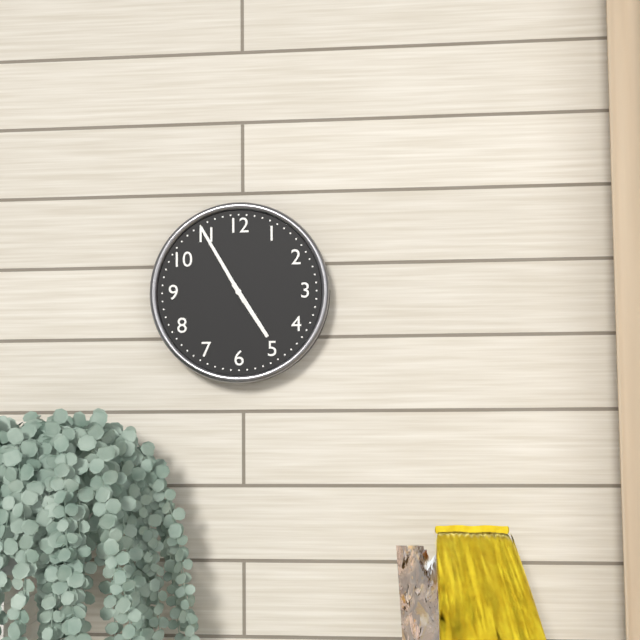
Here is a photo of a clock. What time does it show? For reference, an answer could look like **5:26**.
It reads **4:55**
